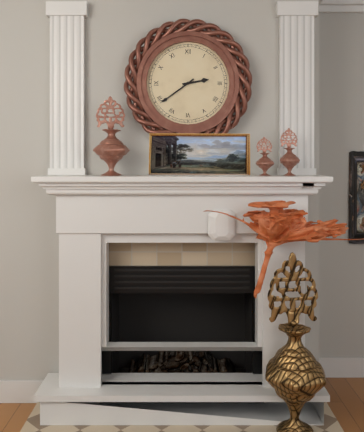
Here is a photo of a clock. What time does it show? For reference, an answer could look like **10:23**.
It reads **2:39**
